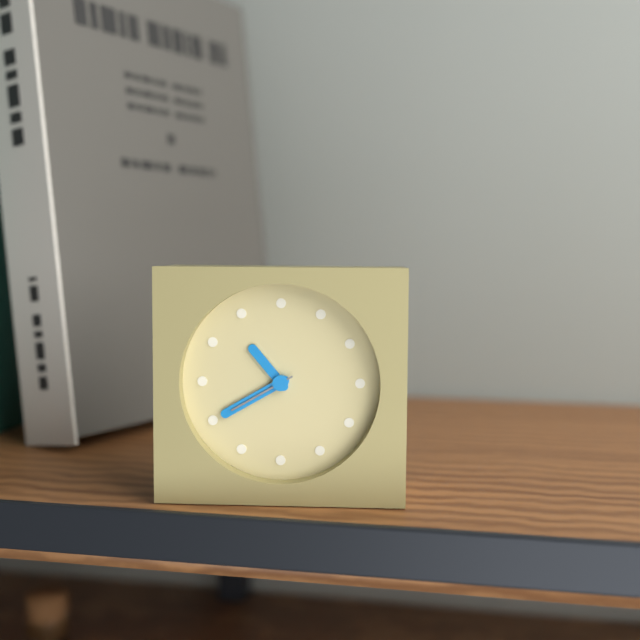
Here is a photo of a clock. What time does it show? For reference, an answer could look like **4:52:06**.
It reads **10:40:40**
